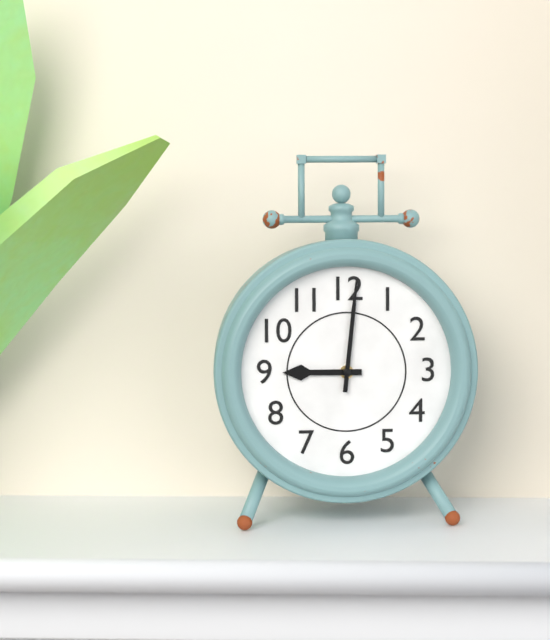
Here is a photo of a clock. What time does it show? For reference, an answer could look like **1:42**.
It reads **9:01**
